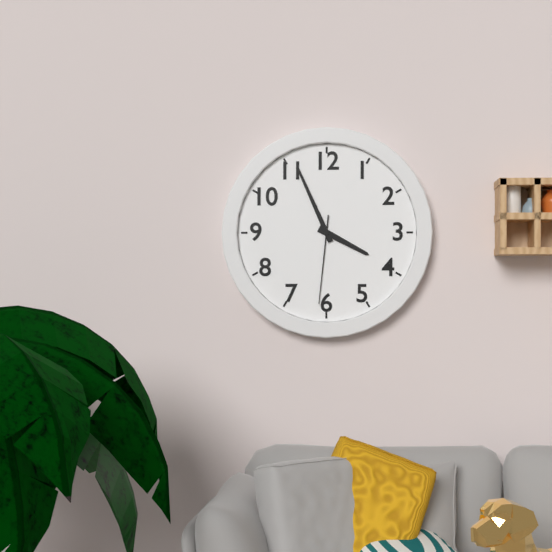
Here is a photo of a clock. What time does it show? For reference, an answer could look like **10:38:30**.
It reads **3:56:31**
